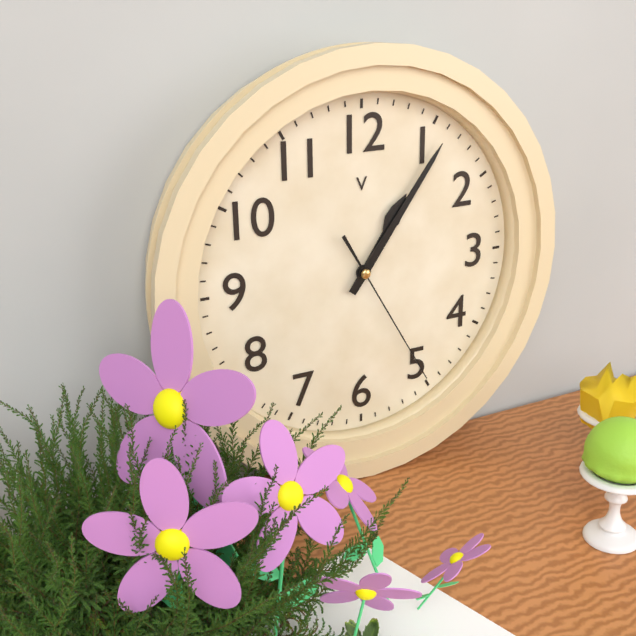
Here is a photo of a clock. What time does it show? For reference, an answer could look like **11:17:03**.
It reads **1:06:25**
